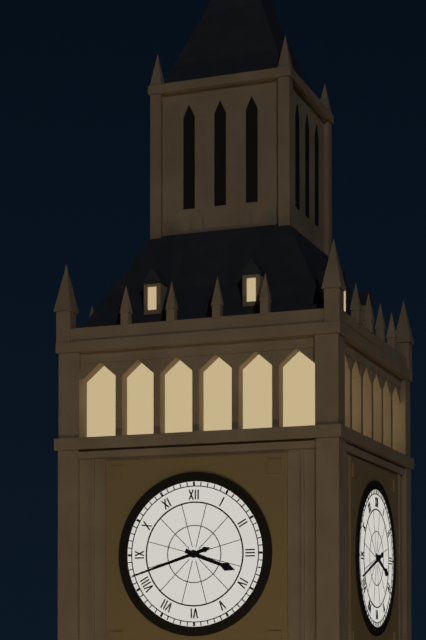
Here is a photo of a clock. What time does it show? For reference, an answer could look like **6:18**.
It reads **3:42**
